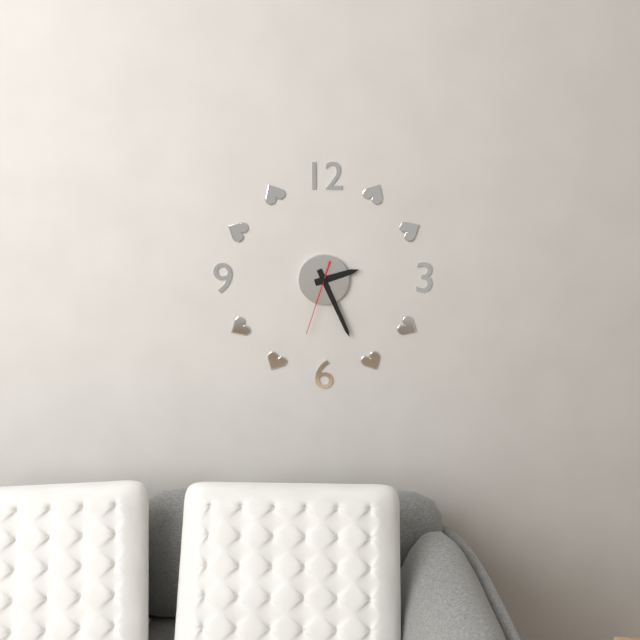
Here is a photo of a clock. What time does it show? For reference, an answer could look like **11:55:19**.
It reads **2:26:33**
